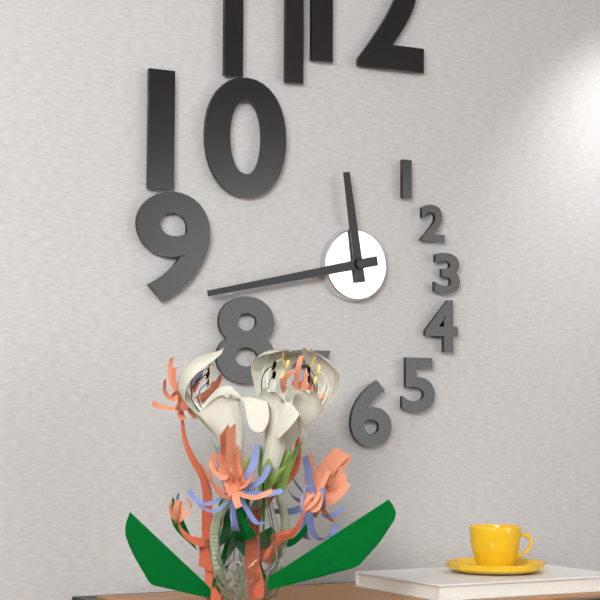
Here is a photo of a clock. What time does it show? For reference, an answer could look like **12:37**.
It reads **11:43**
